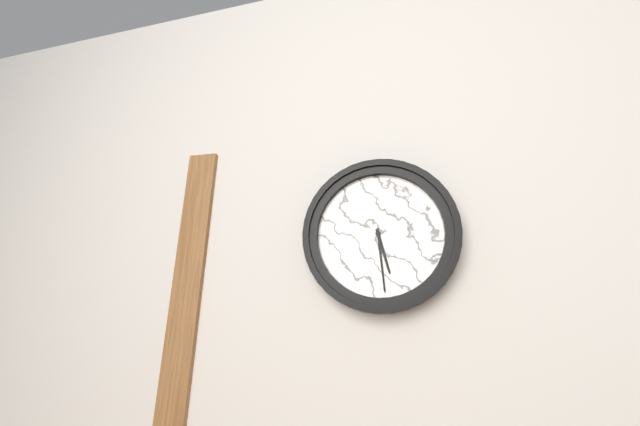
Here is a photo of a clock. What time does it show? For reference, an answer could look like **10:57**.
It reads **5:29**
